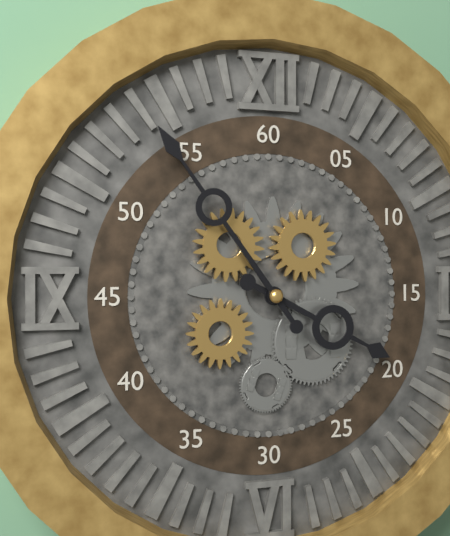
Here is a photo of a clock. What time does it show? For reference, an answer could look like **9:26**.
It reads **3:54**
